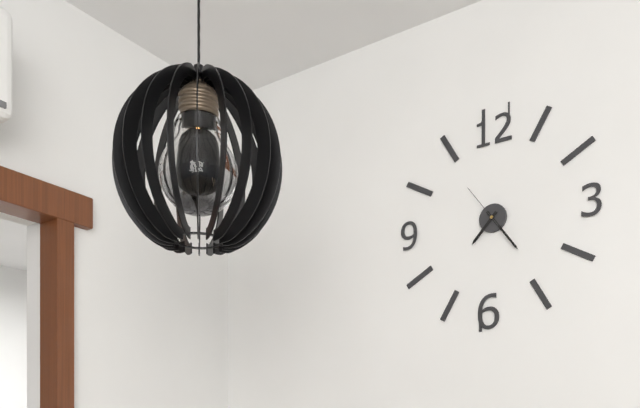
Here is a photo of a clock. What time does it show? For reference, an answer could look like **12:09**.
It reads **7:24**
